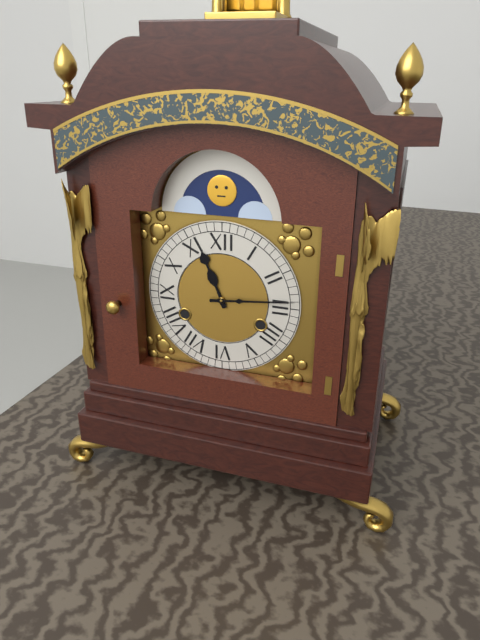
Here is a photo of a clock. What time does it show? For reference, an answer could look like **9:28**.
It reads **11:14**
